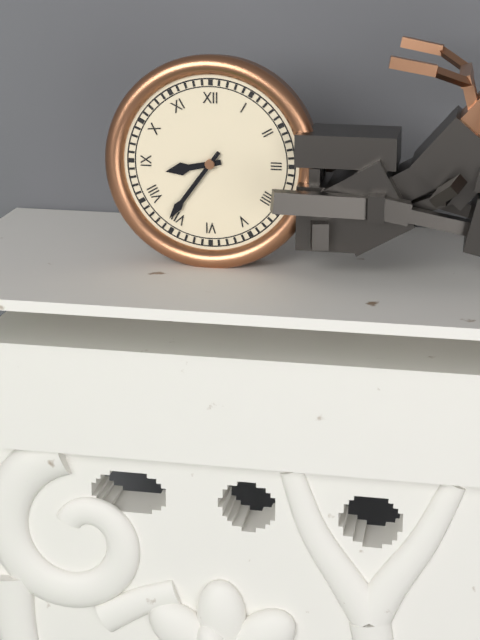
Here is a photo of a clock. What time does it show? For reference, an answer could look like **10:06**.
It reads **8:36**
